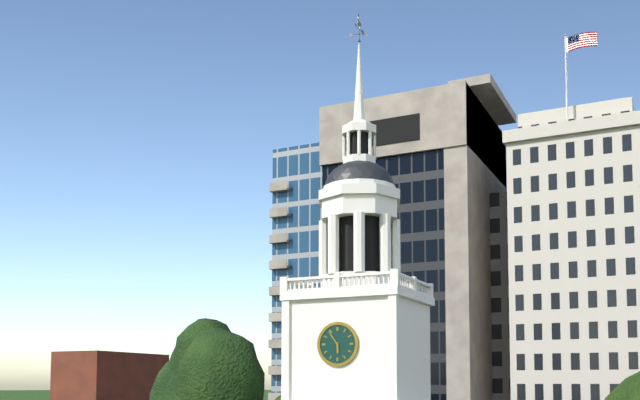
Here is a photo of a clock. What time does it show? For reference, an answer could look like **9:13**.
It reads **5:54**
